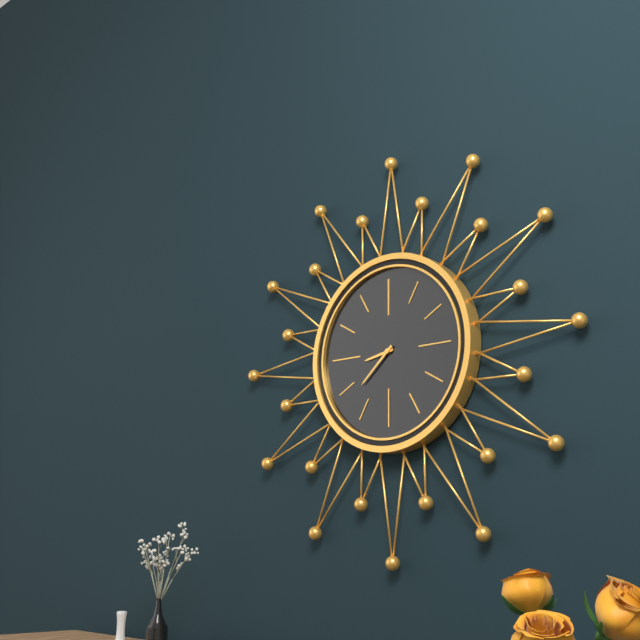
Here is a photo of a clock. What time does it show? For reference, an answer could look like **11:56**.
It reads **8:38**
